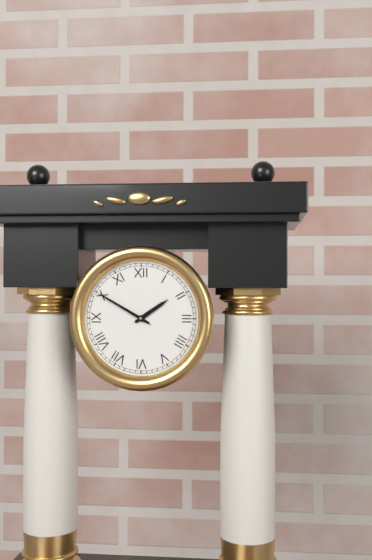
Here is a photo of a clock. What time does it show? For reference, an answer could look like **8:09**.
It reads **1:50**
